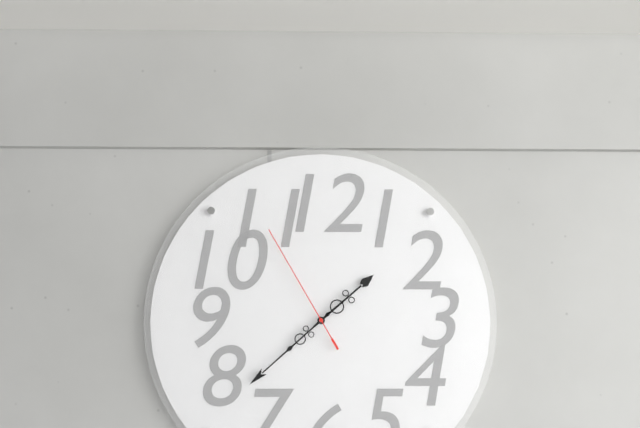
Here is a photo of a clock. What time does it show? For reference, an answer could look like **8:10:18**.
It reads **1:38:55**
